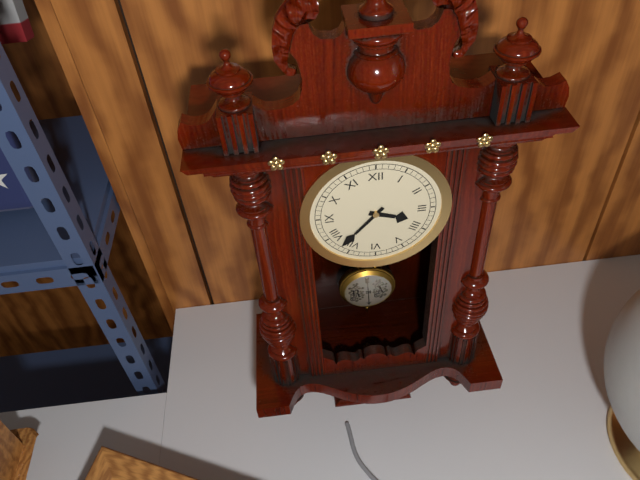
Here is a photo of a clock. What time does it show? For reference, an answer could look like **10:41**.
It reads **3:37**
